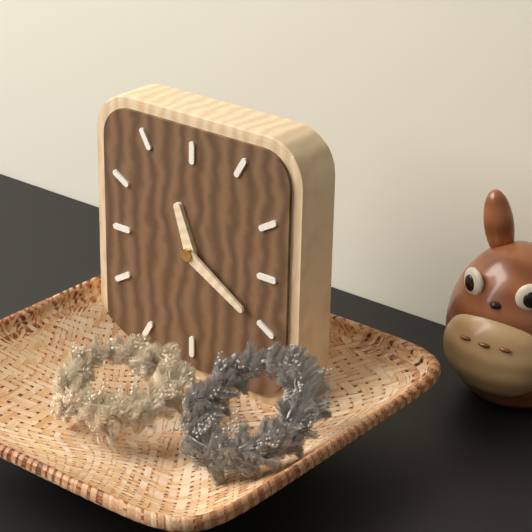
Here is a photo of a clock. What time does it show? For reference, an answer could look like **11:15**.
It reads **11:20**
